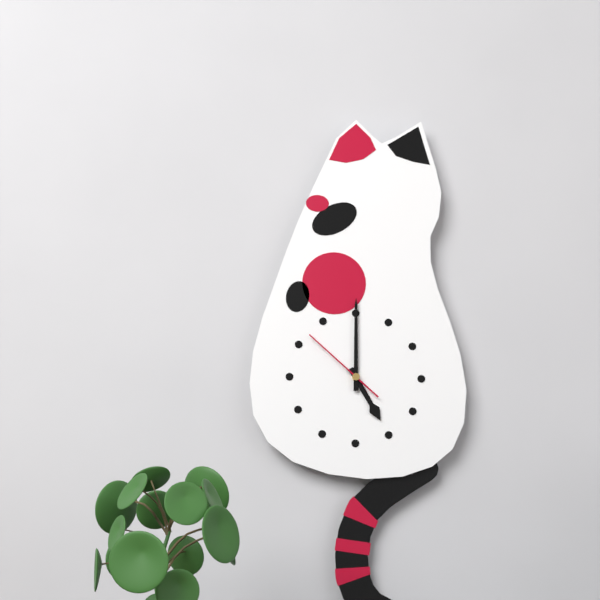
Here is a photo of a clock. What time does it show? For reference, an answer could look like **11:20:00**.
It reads **5:00:52**
